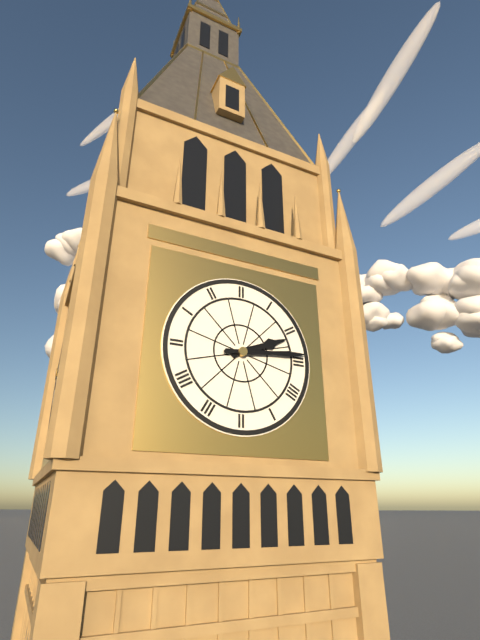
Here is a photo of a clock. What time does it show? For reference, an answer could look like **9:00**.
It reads **2:14**
